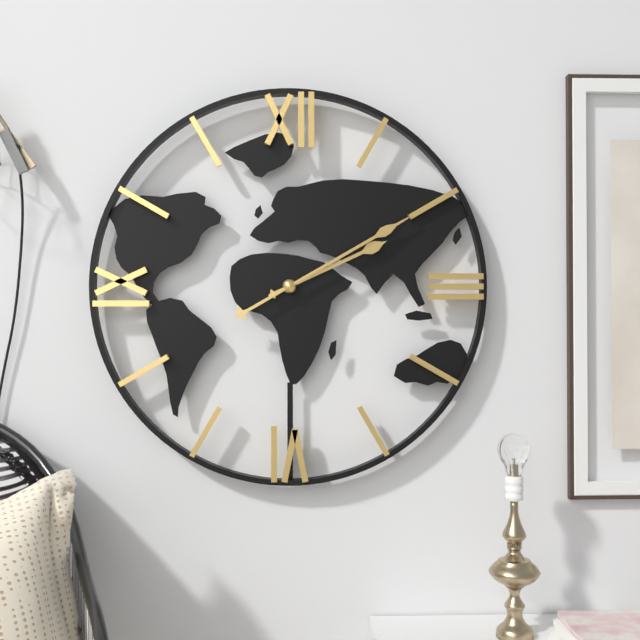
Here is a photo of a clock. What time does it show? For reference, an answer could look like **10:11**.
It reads **2:10**
